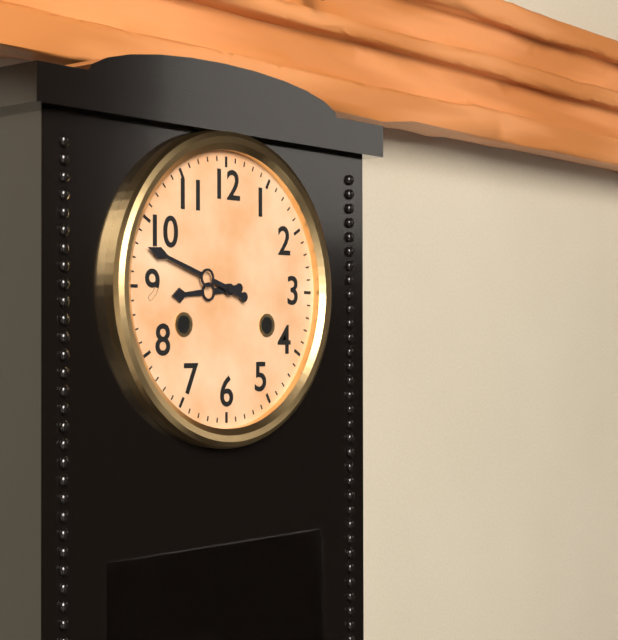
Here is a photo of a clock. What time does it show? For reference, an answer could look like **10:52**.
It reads **8:48**
